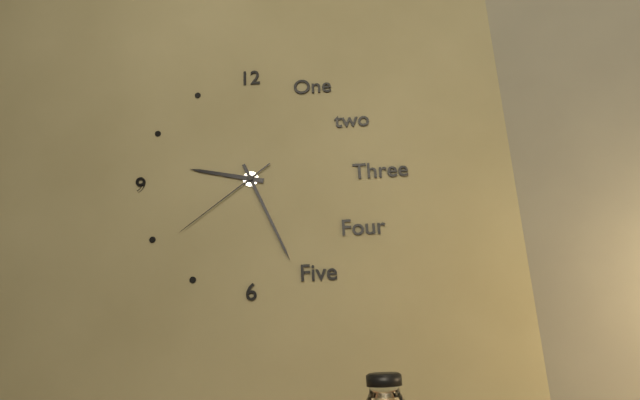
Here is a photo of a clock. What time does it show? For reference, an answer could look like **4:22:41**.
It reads **9:26:39**
